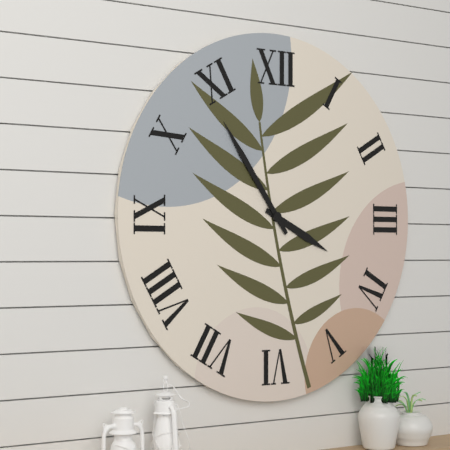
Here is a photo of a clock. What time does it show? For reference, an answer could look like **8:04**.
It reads **3:54**
